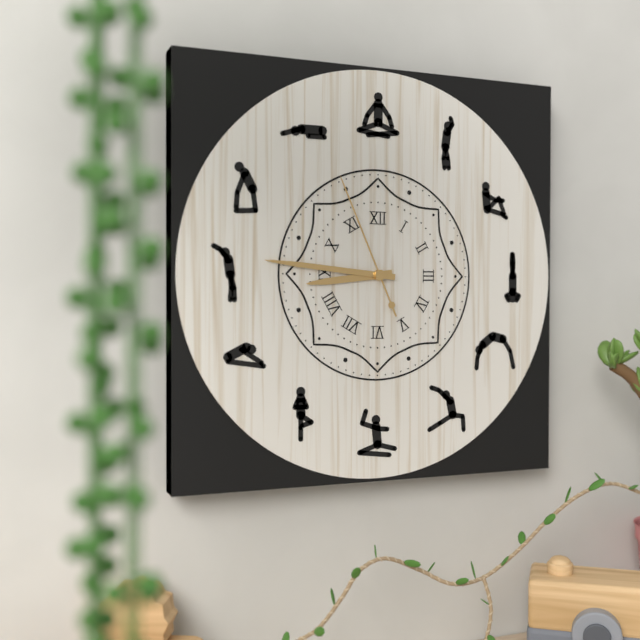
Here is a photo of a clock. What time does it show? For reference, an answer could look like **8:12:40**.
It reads **8:46:56**
